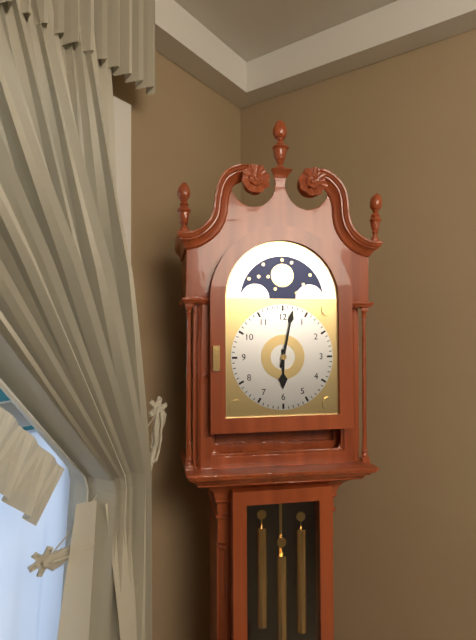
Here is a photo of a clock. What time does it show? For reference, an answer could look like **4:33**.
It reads **6:02**
